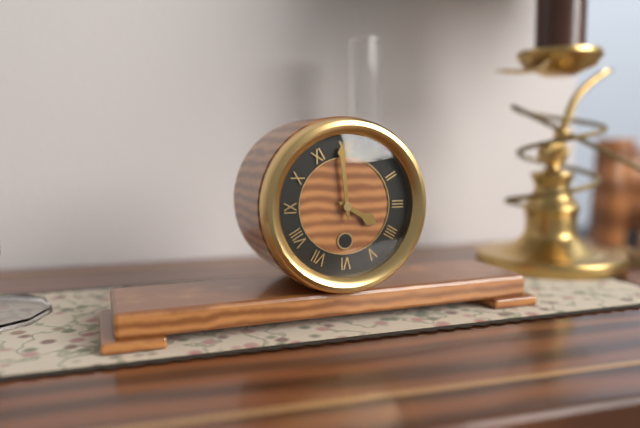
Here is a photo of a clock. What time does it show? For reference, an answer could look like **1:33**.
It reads **3:59**
